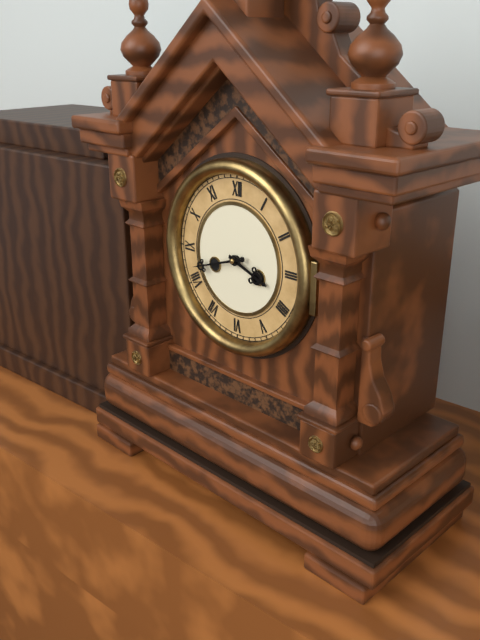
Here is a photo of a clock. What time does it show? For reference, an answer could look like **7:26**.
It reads **3:42**
